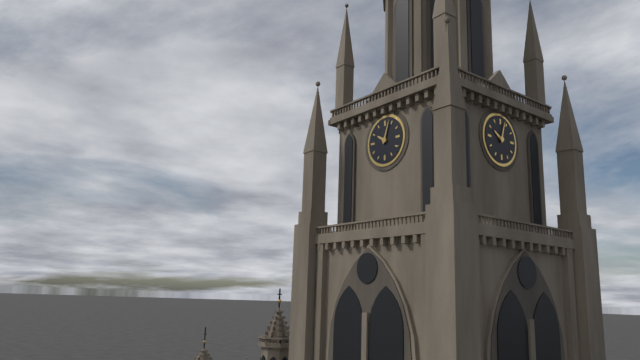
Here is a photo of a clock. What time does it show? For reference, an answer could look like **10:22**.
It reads **10:03**
